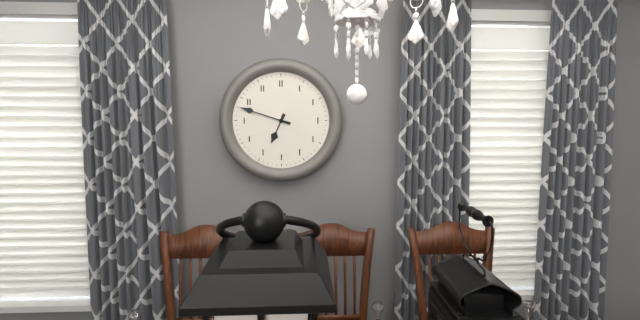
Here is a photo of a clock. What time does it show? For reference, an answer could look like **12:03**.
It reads **6:48**
